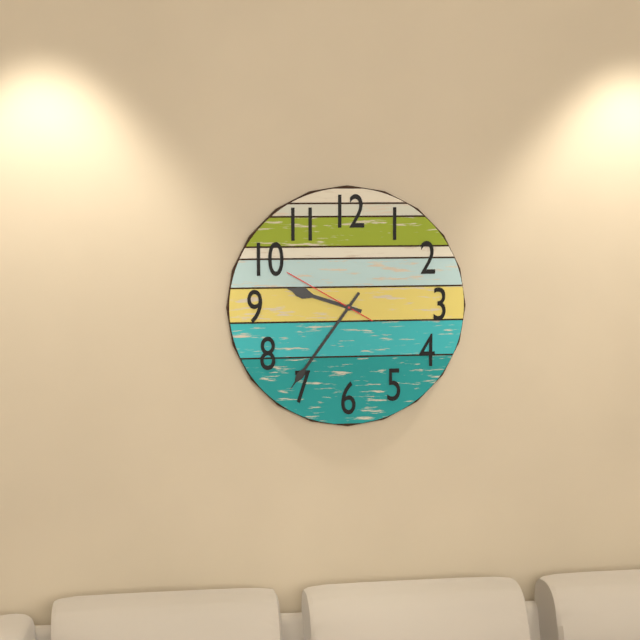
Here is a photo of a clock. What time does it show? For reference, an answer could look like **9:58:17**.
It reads **9:36:50**
